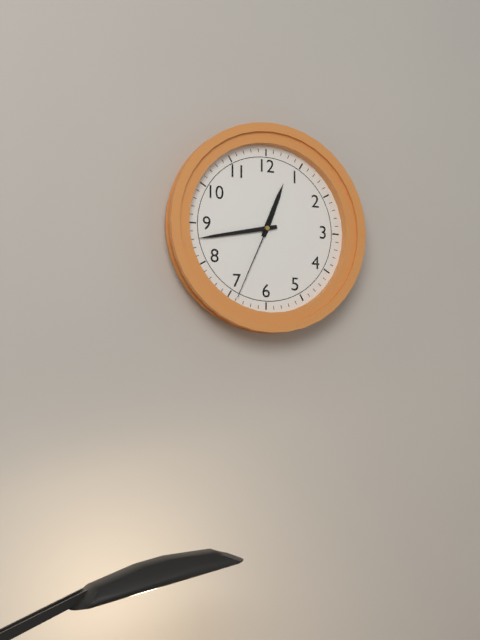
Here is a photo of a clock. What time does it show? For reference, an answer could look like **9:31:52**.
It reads **12:43:34**
